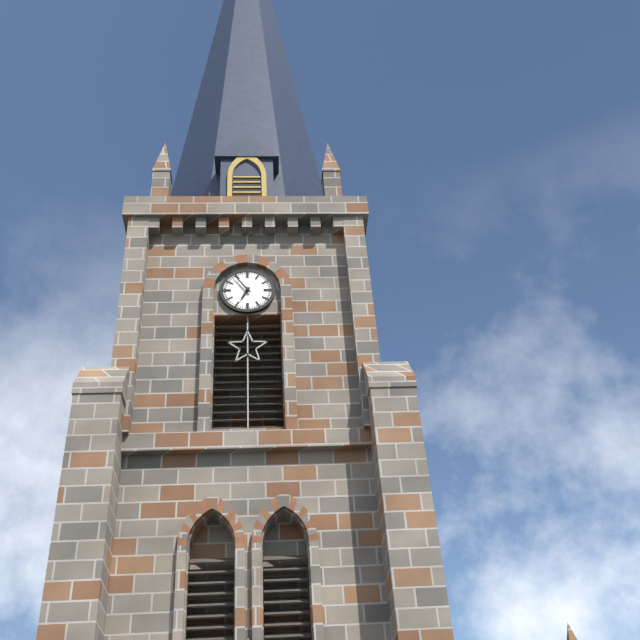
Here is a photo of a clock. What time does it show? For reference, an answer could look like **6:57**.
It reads **6:54**
